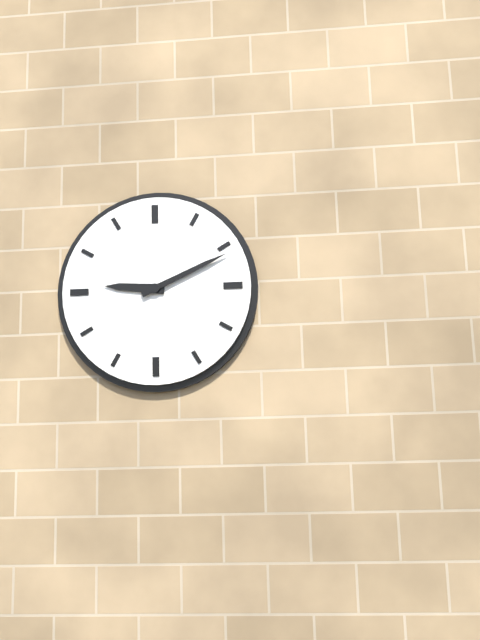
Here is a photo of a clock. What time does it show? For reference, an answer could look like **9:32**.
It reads **9:11**
